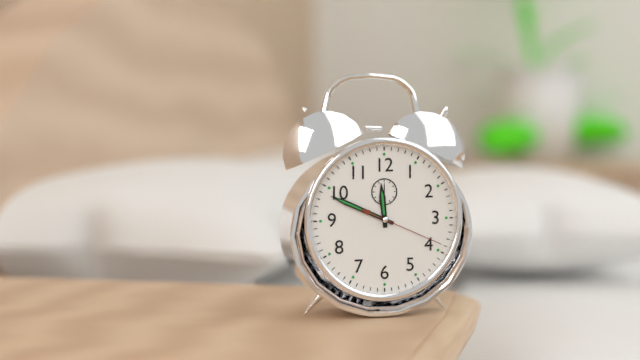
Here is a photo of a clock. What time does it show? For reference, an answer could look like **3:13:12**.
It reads **11:49:19**
